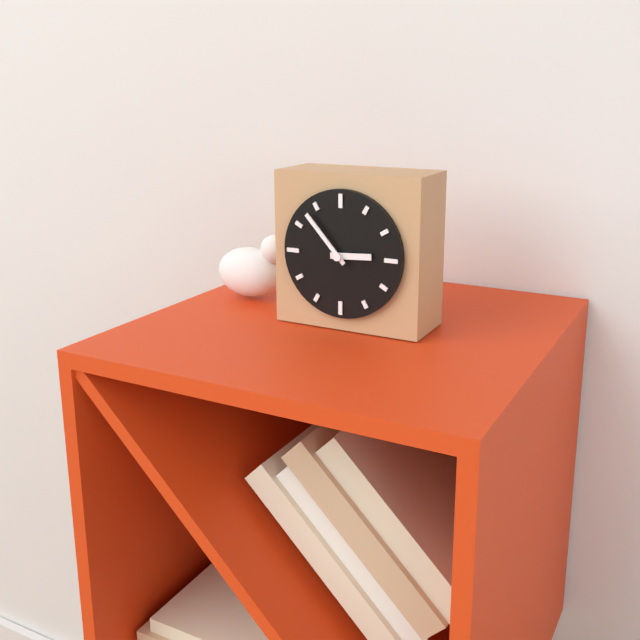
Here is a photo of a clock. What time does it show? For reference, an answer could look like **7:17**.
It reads **2:53**
